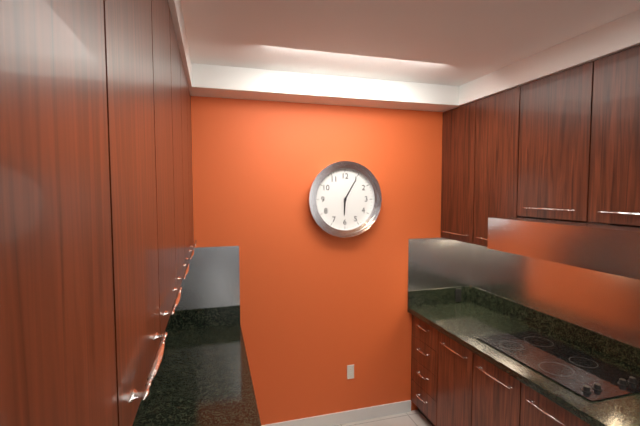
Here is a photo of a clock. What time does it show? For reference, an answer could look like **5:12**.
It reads **6:05**
